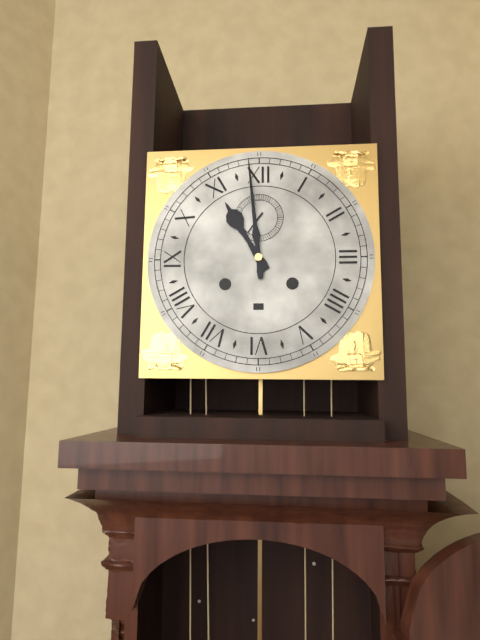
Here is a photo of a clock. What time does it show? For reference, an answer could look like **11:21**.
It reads **10:59**
